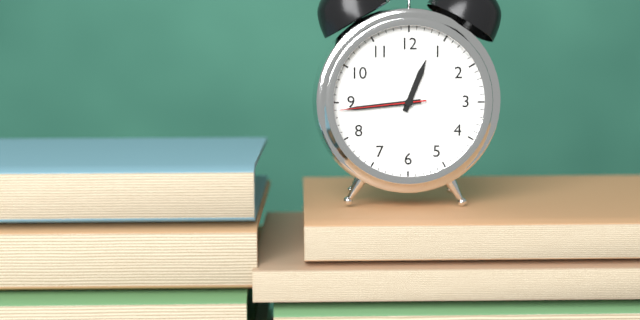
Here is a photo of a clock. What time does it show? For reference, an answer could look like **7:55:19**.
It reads **12:44:44**
